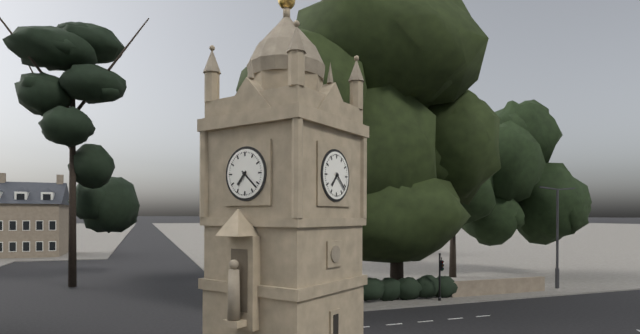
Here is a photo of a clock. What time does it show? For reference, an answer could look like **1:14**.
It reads **7:22**
